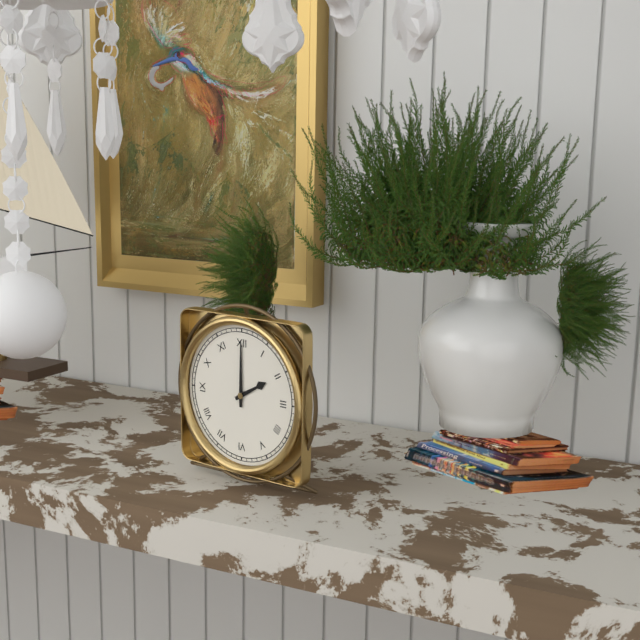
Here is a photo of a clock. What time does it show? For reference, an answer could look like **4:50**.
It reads **2:00**
